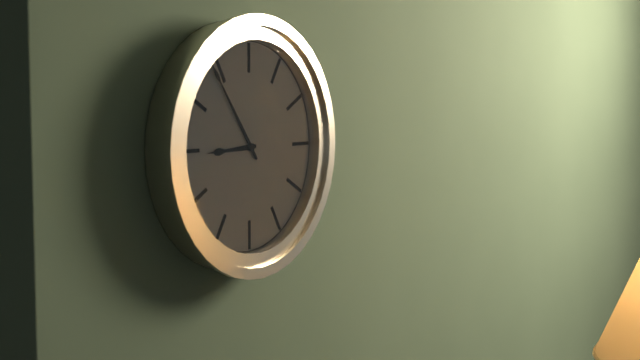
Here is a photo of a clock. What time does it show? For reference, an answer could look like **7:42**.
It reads **8:54**
